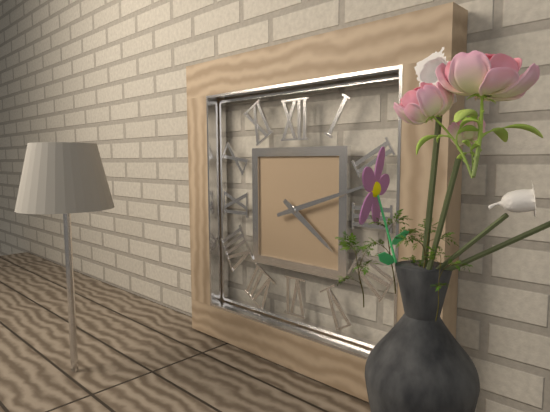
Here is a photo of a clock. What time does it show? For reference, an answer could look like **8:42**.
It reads **4:12**
